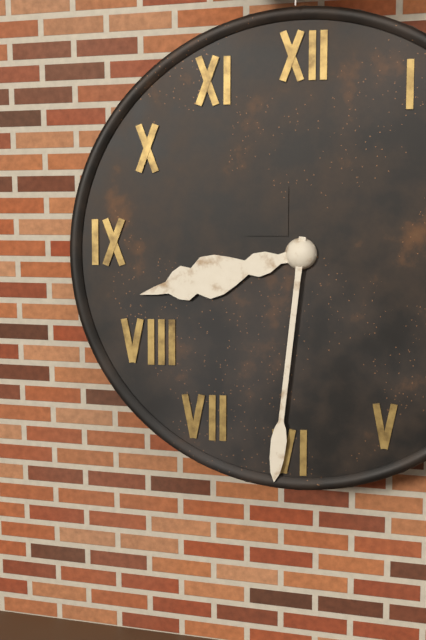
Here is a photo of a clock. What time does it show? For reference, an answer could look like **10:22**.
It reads **8:31**
